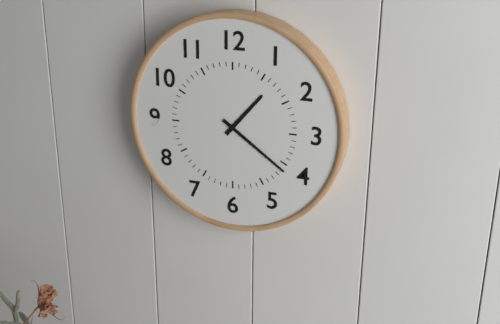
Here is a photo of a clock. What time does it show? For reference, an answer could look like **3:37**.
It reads **1:21**
